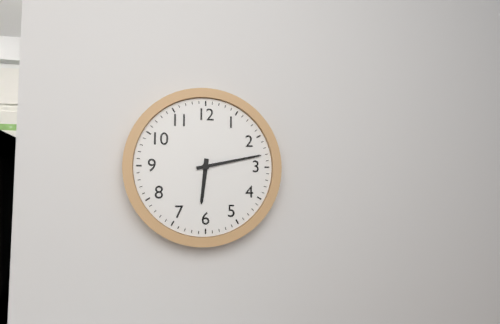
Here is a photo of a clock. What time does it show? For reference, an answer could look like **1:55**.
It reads **6:13**
